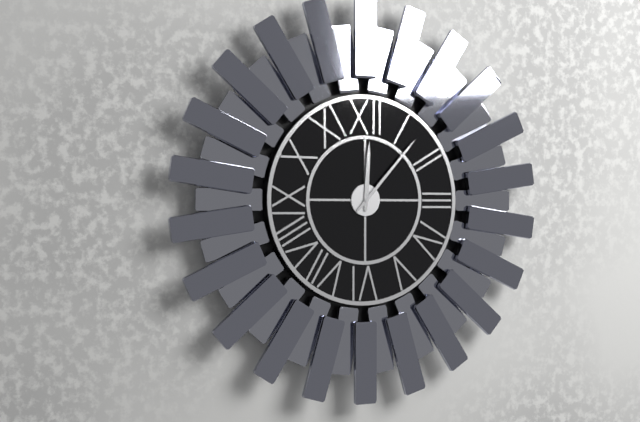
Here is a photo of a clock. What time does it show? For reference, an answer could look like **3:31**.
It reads **12:07**
